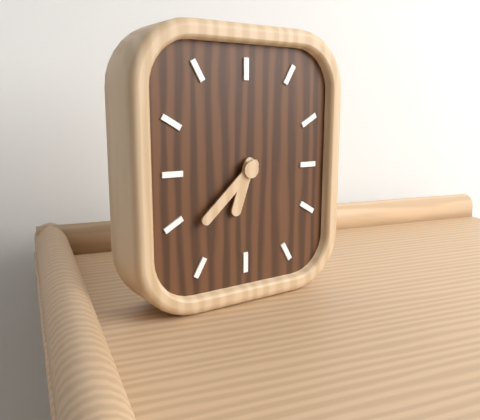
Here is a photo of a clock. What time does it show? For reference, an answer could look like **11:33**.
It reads **6:38**
